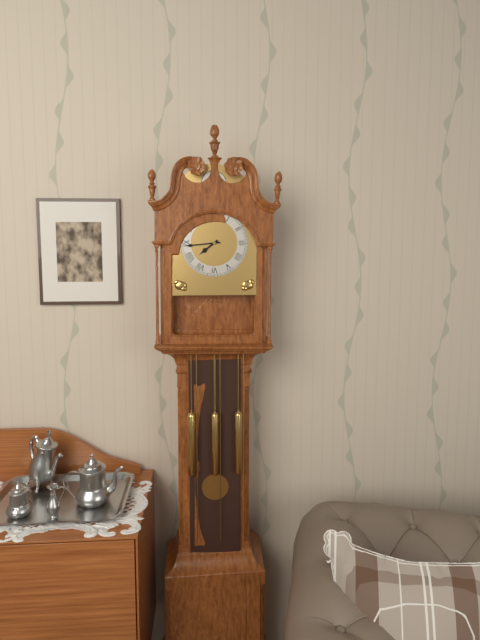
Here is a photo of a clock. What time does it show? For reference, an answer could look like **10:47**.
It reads **7:44**
